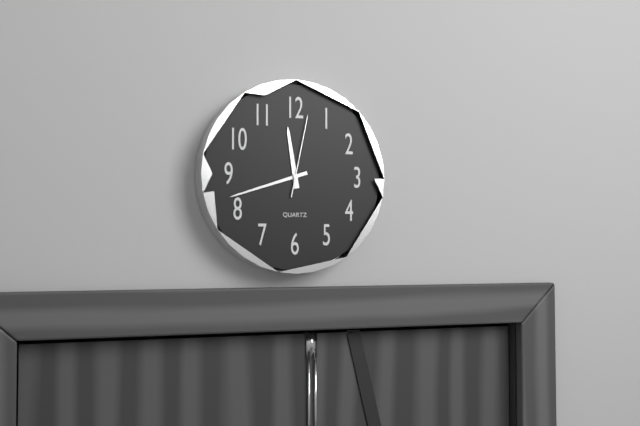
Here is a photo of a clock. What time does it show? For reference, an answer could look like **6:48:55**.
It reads **11:42:02**
